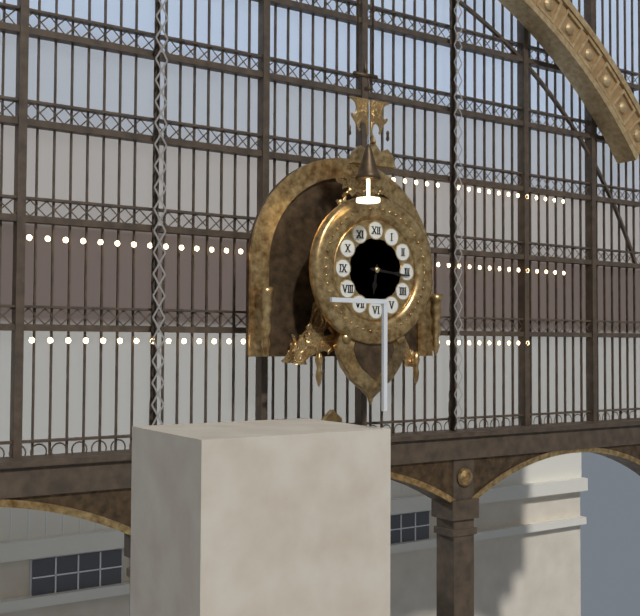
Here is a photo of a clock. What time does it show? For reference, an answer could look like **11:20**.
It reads **6:16**
